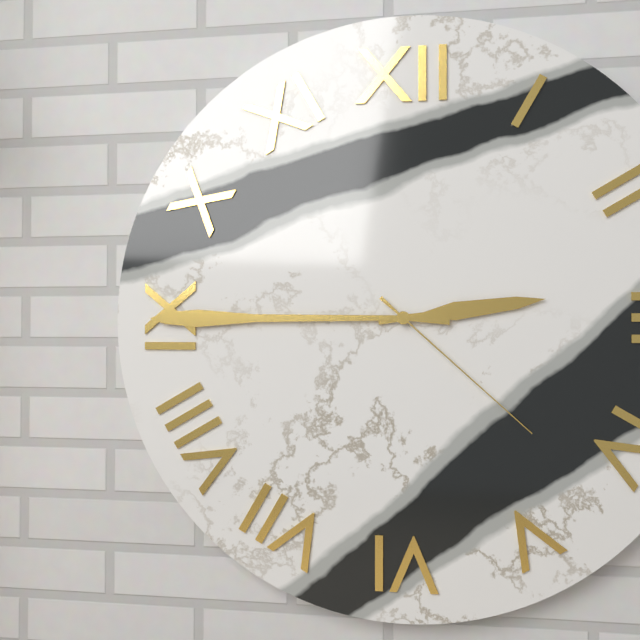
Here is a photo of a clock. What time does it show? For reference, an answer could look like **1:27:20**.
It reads **2:45:22**
